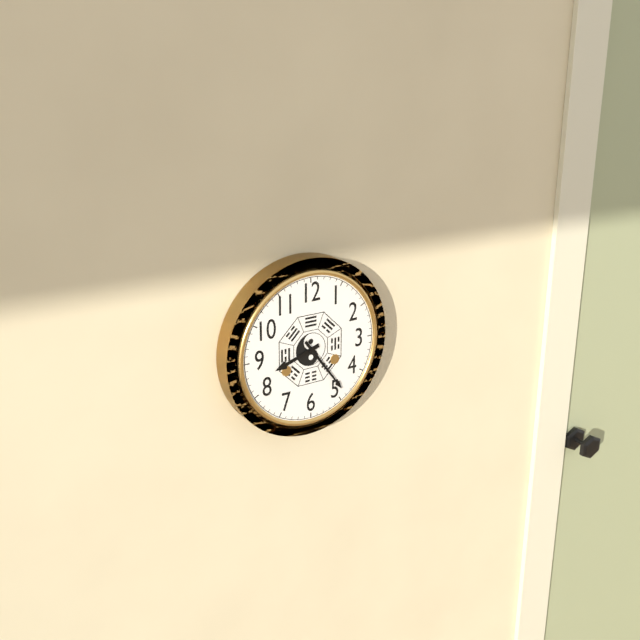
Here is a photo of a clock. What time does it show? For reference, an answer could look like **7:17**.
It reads **8:24**
